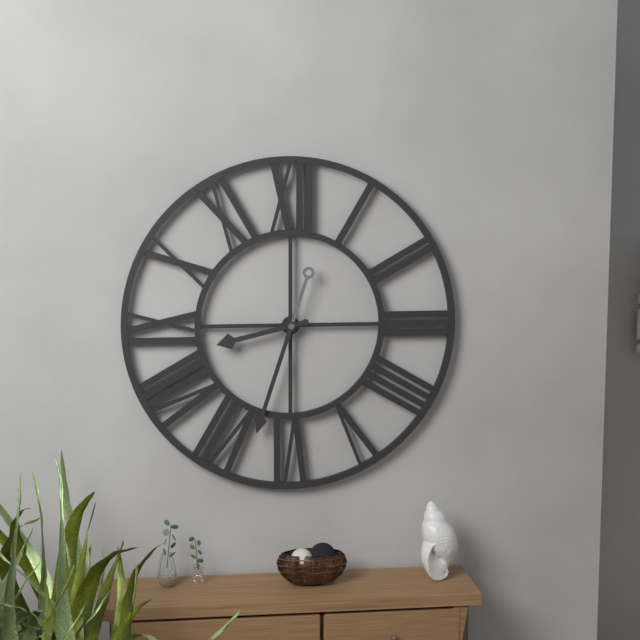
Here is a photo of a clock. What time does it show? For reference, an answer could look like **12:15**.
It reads **8:33**
